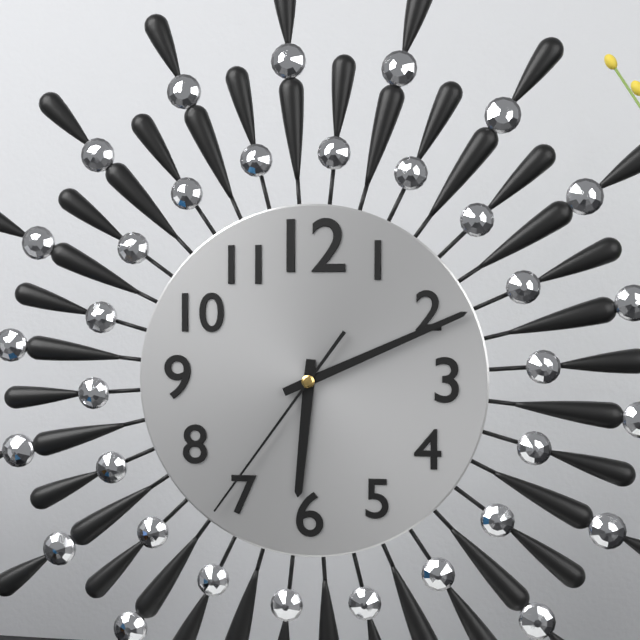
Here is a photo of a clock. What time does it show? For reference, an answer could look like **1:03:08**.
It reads **6:11:36**
